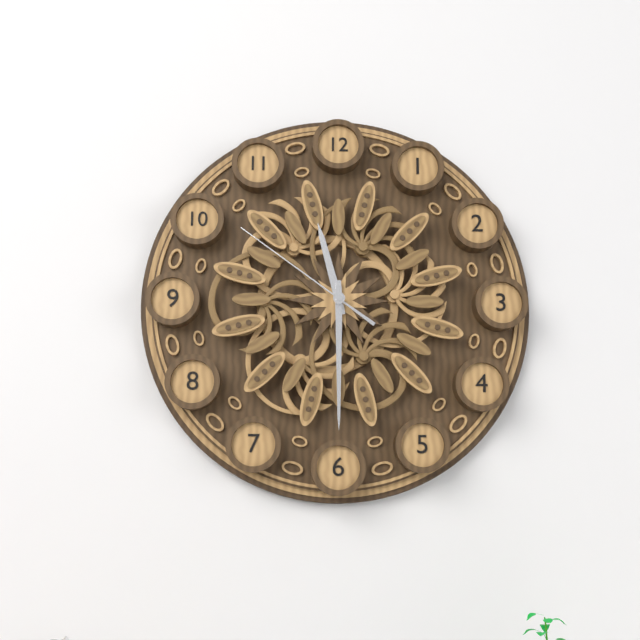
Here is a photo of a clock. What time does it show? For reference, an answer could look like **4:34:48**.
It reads **11:30:51**
